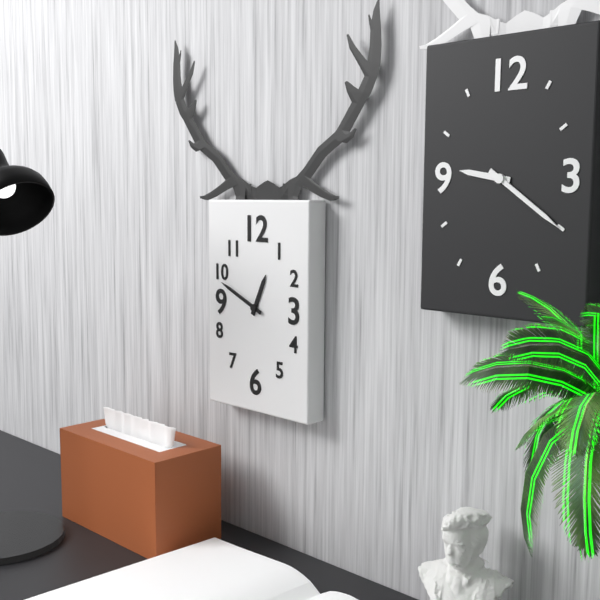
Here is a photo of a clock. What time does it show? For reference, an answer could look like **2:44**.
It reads **12:49**
